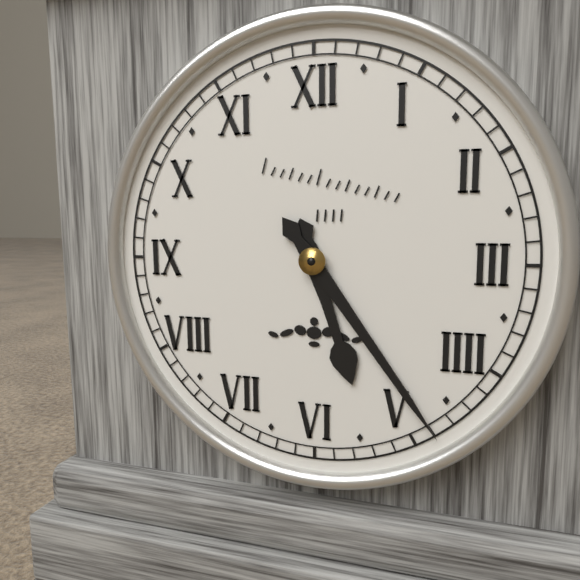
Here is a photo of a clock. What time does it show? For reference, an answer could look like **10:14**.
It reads **5:24**
